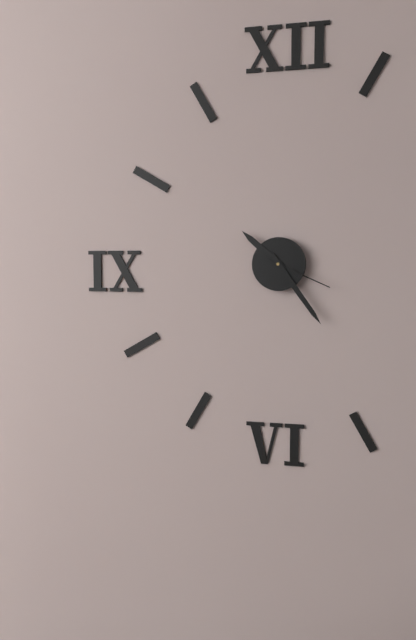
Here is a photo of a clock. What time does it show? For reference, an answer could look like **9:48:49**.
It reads **10:24:19**
